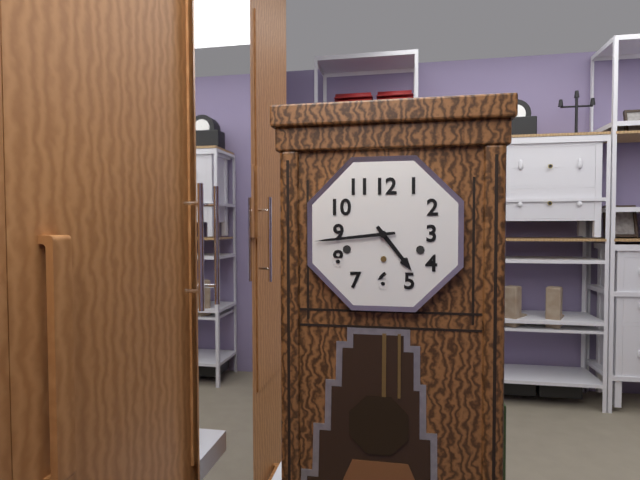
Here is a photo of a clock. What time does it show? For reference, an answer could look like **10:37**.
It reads **4:44**
